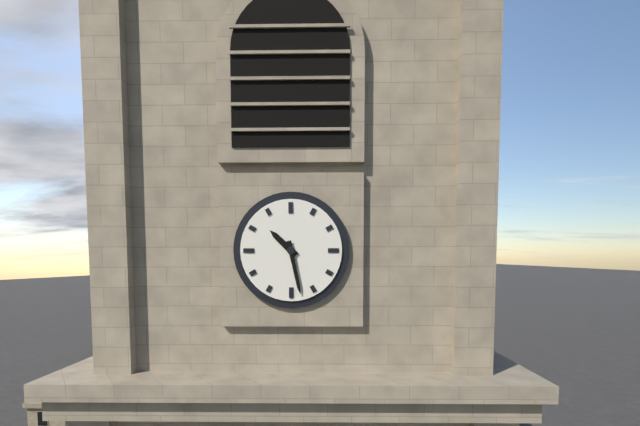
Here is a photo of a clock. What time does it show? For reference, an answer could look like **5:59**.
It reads **10:28**
